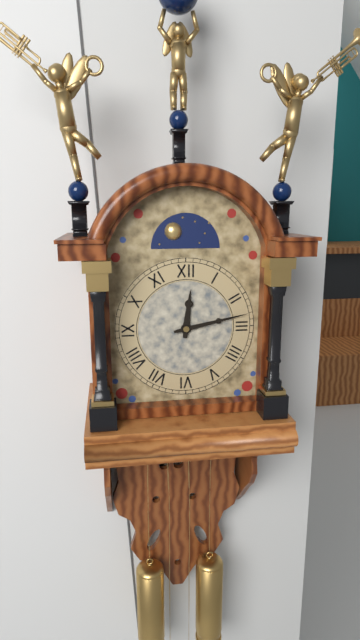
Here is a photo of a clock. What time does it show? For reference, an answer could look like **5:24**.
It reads **12:13**
